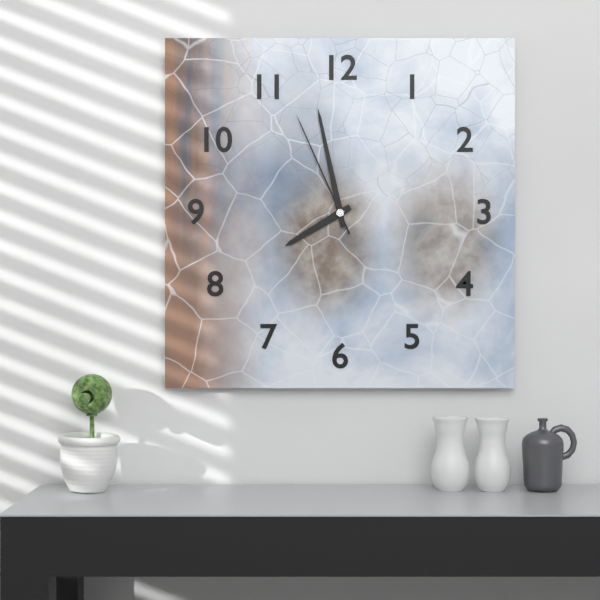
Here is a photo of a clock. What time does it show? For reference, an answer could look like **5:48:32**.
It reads **7:58:56**
